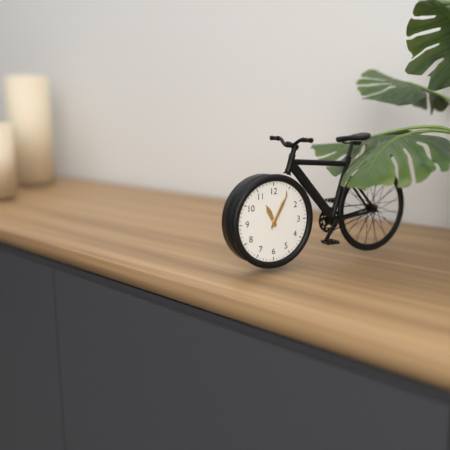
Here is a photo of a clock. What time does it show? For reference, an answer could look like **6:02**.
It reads **11:05**
